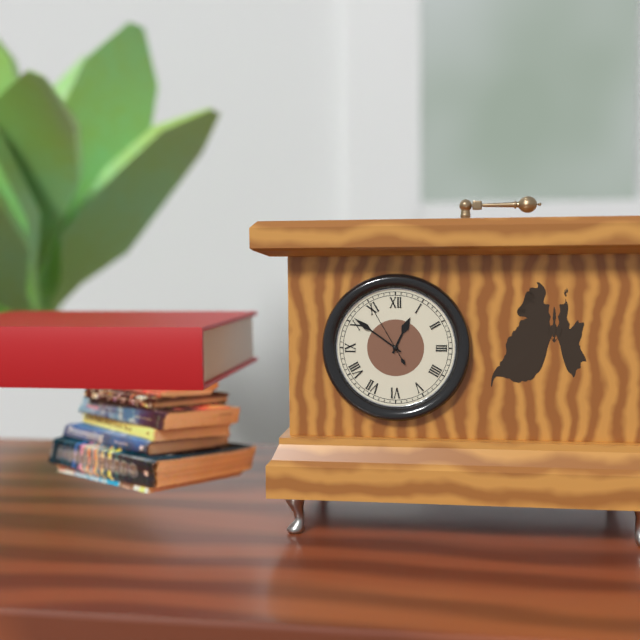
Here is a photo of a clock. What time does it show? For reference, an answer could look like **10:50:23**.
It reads **12:51:55**
